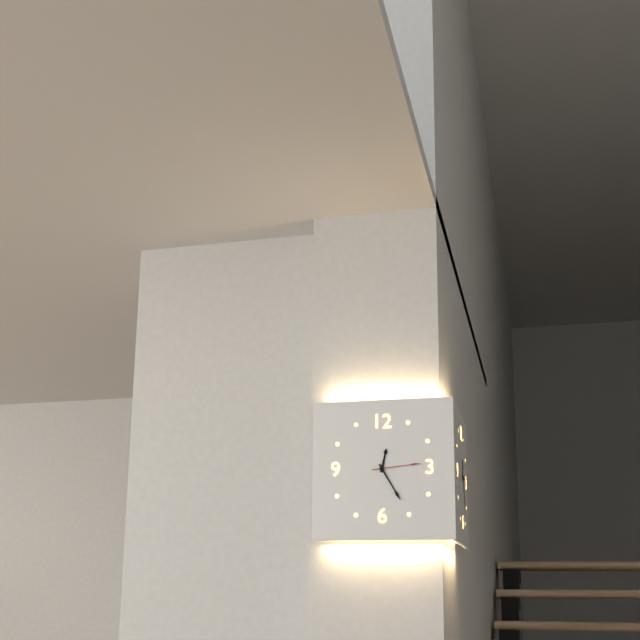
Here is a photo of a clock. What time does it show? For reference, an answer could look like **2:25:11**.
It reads **12:25:14**
